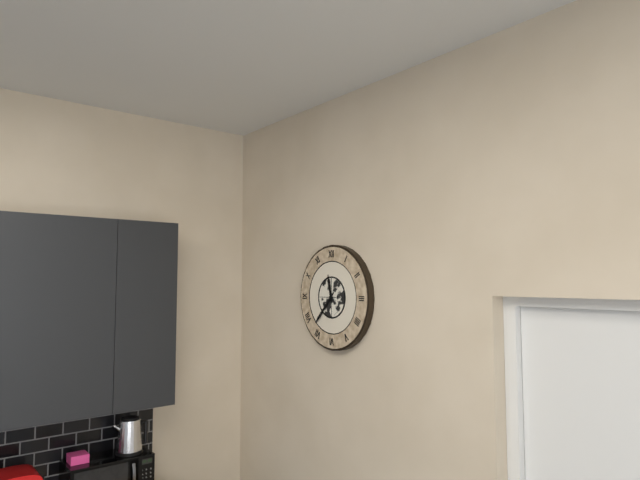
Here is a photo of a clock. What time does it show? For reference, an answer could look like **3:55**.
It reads **11:37**
